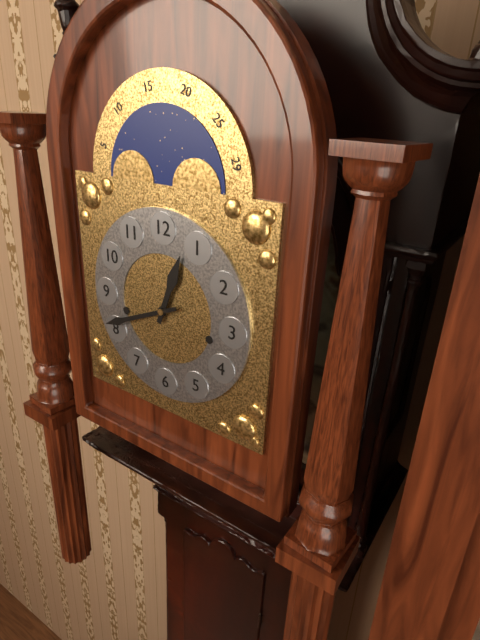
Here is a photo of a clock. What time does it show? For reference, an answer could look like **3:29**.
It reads **12:41**
